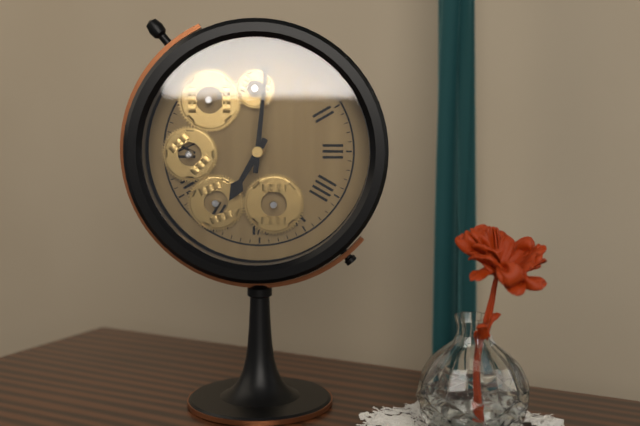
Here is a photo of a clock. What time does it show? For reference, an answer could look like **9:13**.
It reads **7:01**
